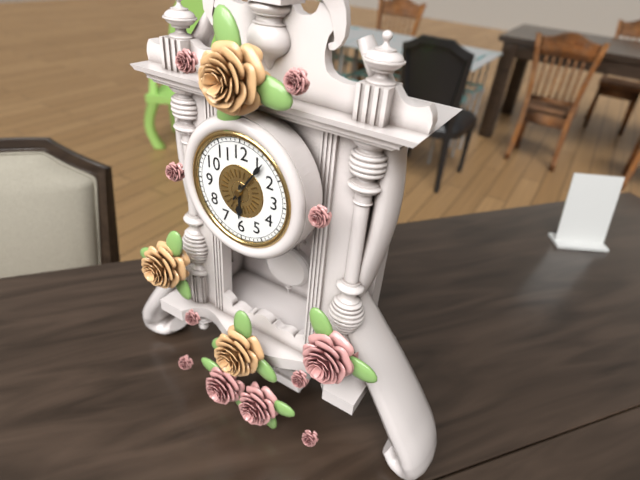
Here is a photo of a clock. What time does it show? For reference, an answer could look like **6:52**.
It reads **6:06**
